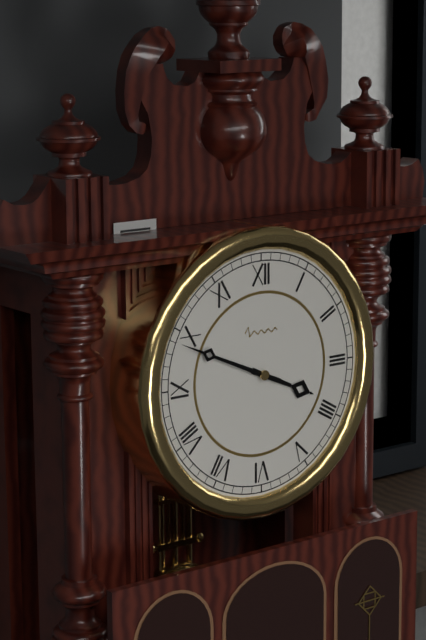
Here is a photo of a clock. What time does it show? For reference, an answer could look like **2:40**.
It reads **3:49**
